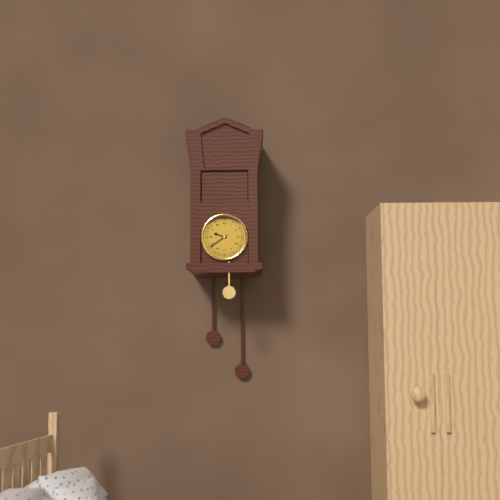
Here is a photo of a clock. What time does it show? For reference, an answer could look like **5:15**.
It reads **9:39**
